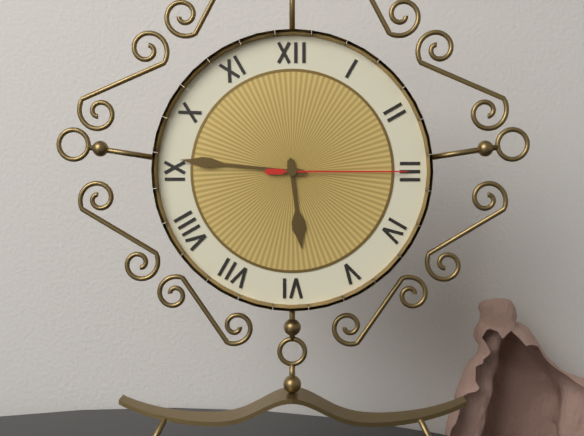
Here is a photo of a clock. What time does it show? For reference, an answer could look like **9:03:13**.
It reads **5:46:15**
